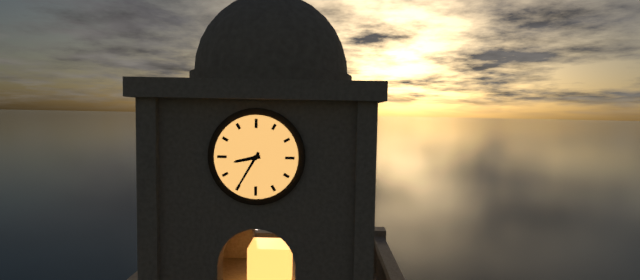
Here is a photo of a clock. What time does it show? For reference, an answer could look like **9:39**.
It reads **8:35**
